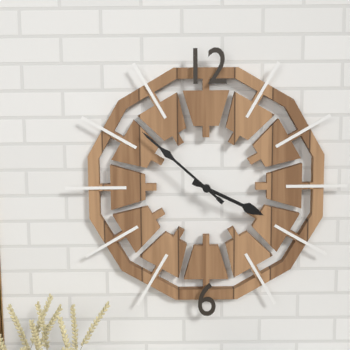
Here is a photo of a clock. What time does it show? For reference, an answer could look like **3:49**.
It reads **3:52**
